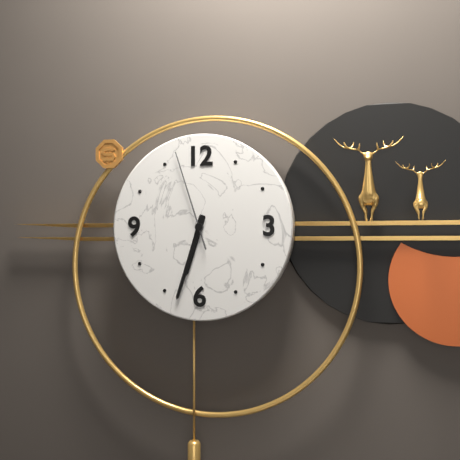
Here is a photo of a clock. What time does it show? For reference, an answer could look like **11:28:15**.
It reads **6:33:57**
